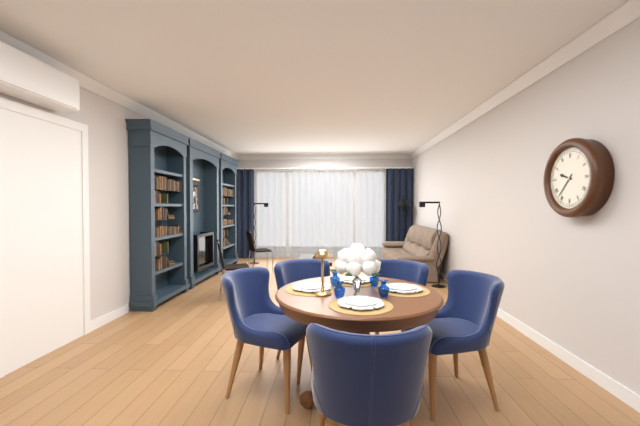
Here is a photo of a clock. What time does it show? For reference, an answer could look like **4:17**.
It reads **9:37**
